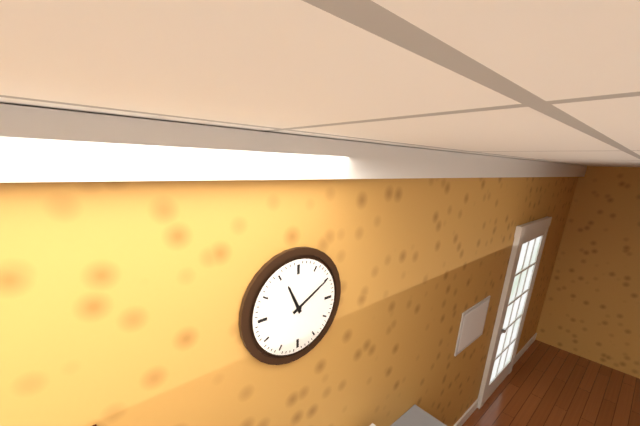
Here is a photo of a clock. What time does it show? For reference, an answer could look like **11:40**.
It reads **11:10**
